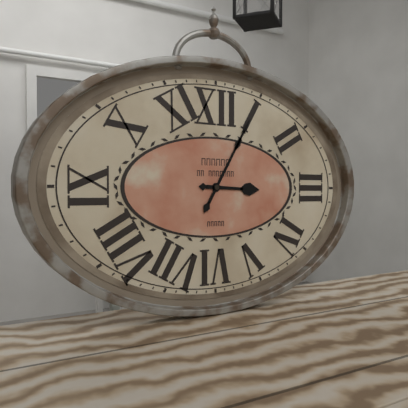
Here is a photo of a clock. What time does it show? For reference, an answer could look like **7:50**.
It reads **3:05**
